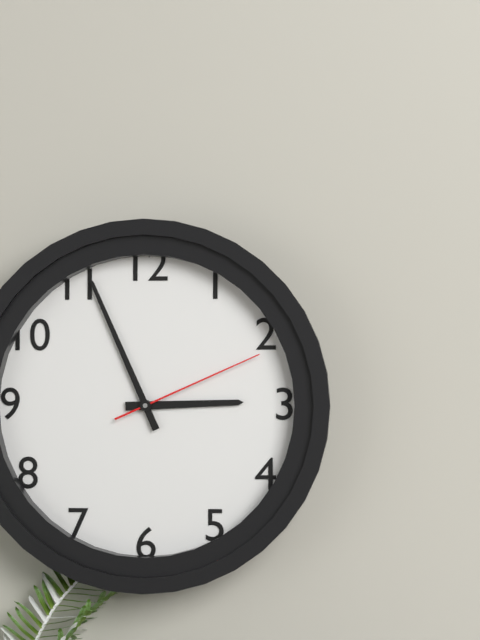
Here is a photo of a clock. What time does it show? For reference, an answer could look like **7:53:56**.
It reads **2:56:11**
